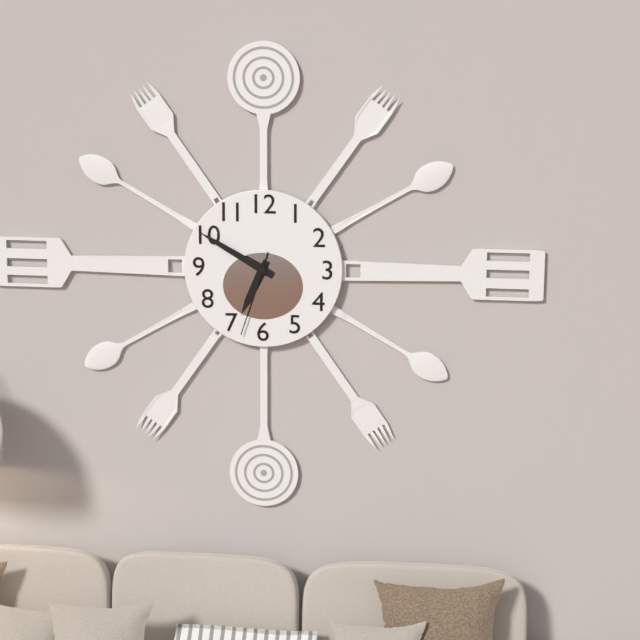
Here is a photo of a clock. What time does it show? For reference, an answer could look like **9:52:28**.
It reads **6:50:33**
